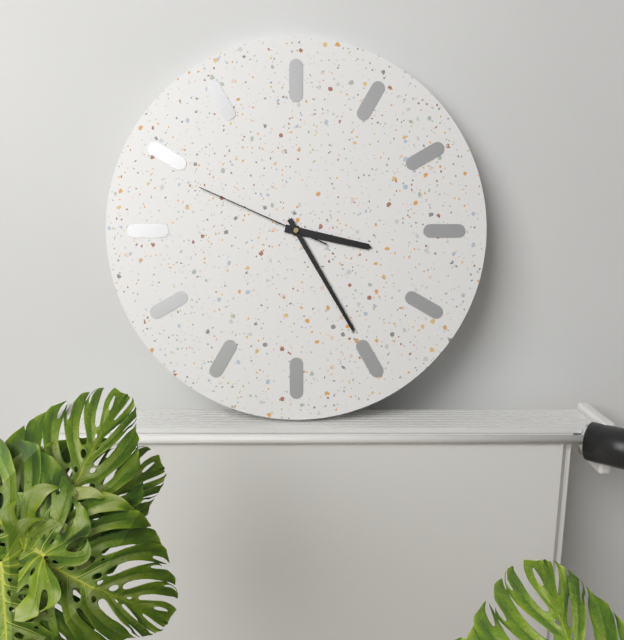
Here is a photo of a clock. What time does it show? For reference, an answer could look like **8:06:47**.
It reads **3:25:49**
